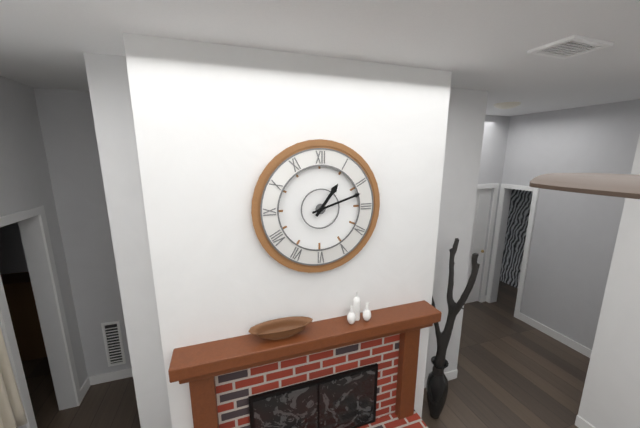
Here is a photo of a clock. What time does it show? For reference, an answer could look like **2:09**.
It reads **1:12**
